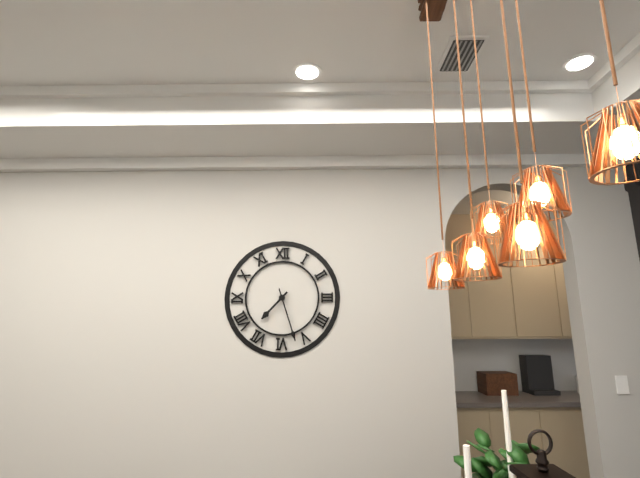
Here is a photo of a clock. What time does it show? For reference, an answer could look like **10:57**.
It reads **7:27**
